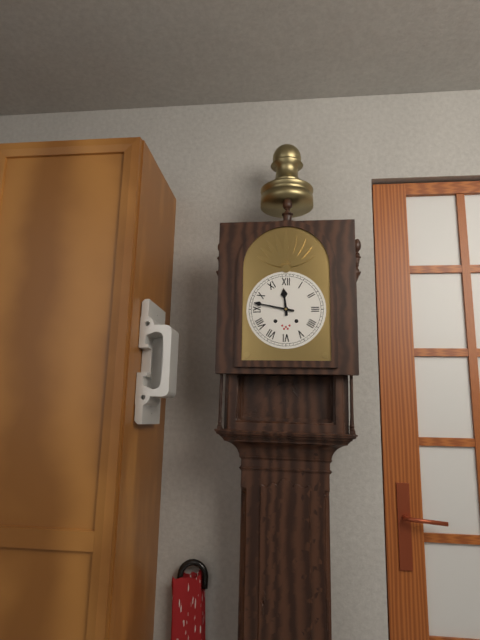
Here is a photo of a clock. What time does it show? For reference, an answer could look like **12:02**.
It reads **11:47**
